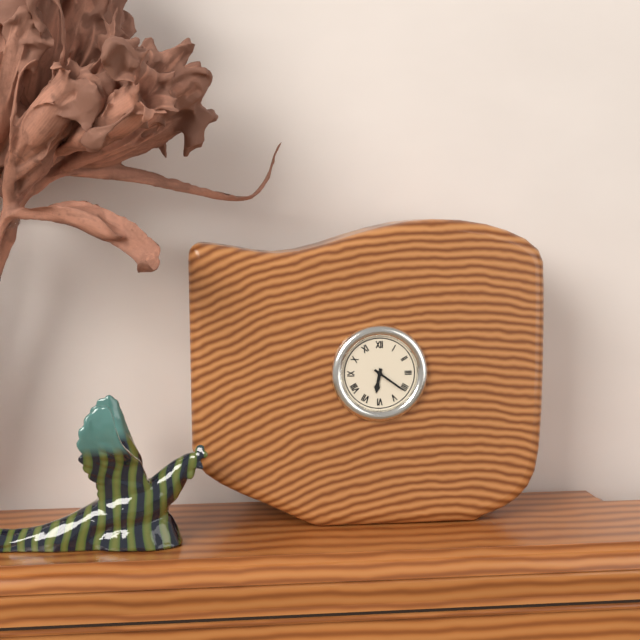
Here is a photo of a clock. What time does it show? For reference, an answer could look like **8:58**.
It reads **6:21**
